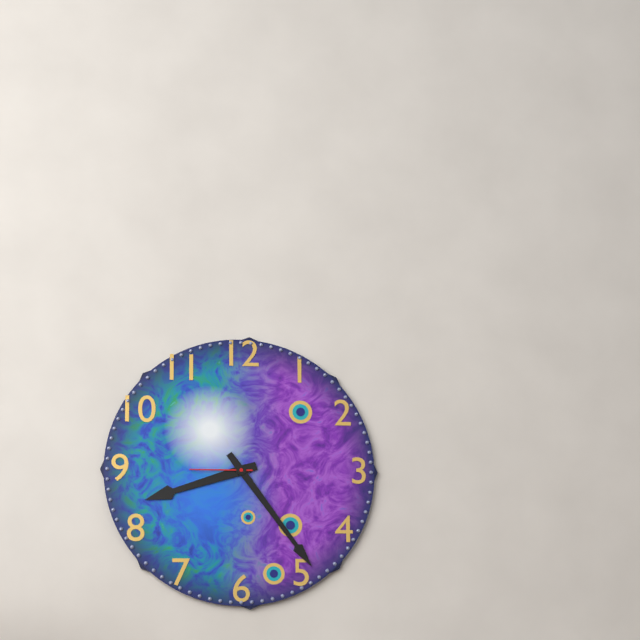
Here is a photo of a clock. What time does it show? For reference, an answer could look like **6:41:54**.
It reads **8:24:45**
